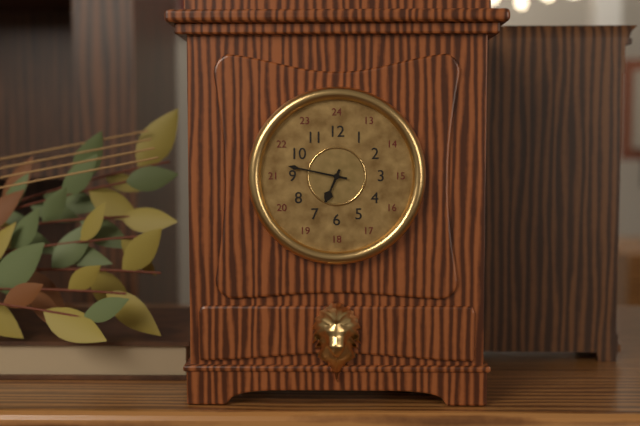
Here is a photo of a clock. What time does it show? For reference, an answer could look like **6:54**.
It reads **6:47**
